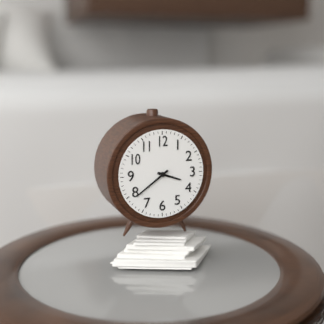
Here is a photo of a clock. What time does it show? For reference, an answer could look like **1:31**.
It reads **3:39**
